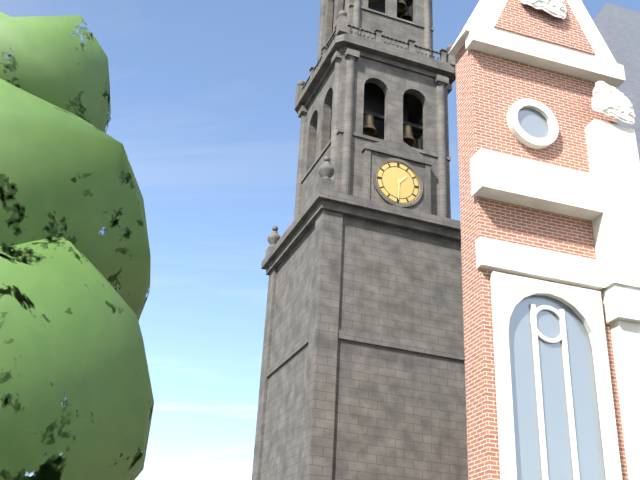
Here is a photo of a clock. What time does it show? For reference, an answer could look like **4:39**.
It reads **1:30**
